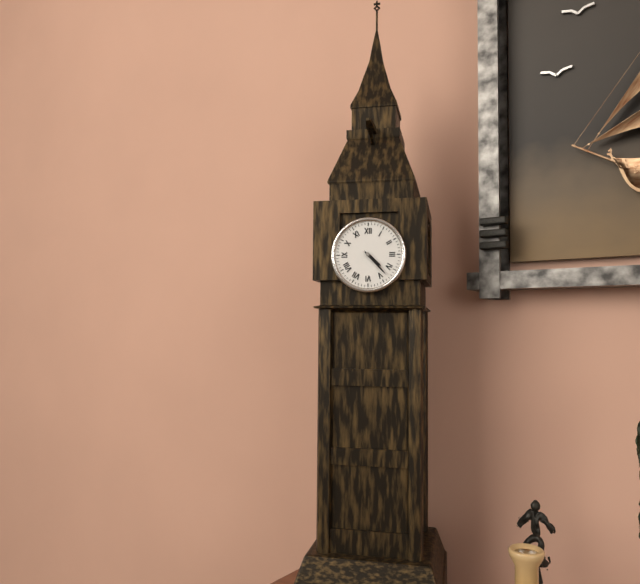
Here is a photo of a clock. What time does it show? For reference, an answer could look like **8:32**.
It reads **4:23**
